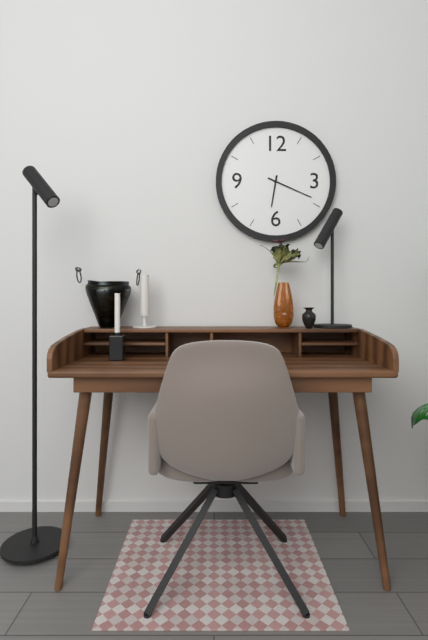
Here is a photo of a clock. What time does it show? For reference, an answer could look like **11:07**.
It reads **6:19**
